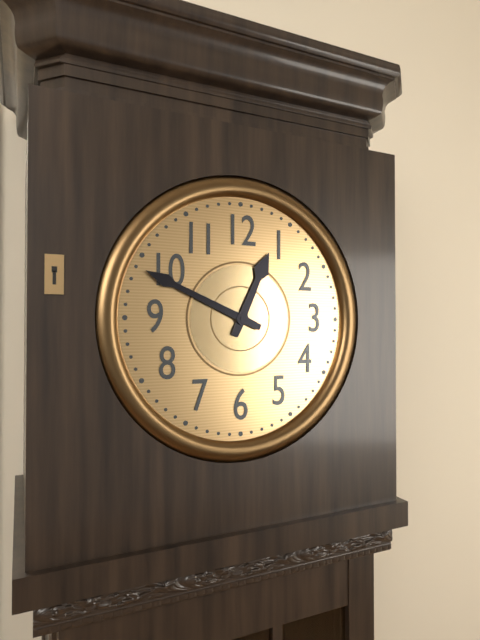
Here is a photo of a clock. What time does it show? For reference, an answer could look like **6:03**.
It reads **12:49**
